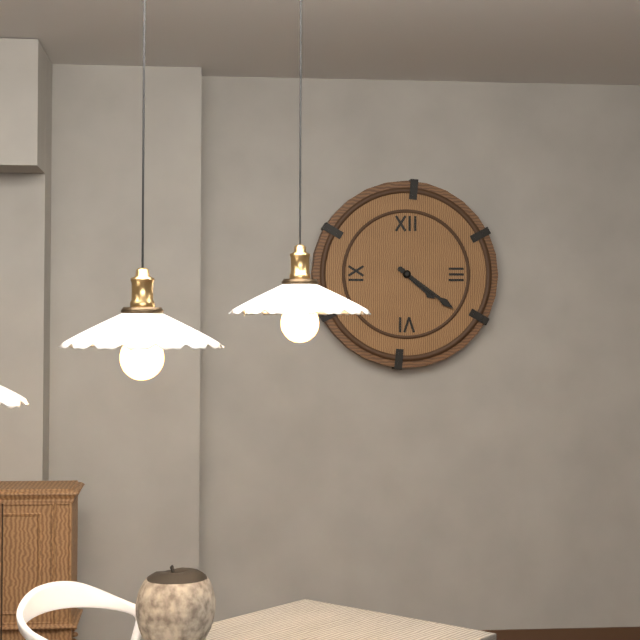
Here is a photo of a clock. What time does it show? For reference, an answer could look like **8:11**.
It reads **4:21**
